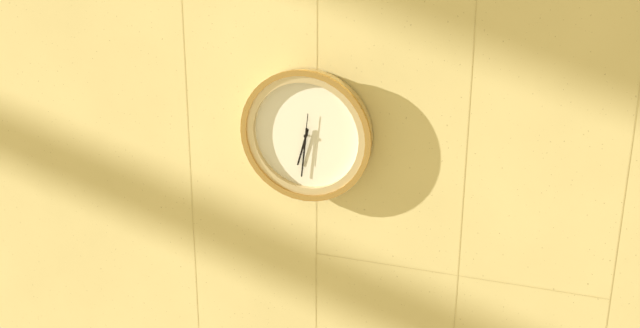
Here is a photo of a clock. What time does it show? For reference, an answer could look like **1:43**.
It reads **6:31**
